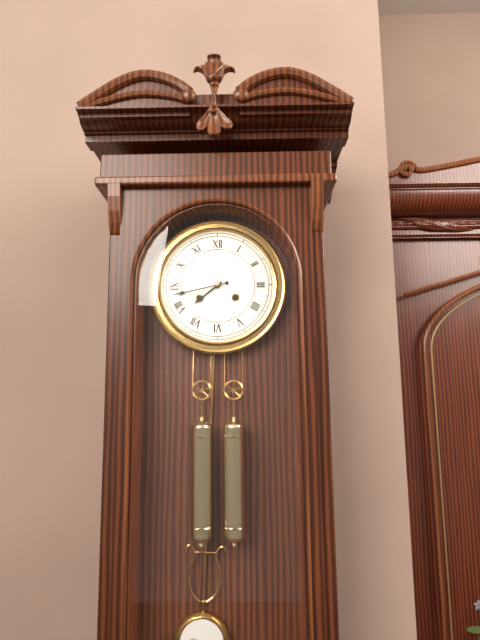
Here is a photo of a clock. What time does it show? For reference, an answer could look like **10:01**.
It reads **7:43**
